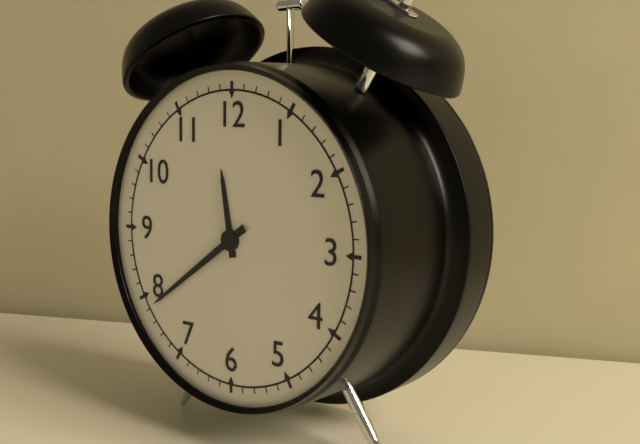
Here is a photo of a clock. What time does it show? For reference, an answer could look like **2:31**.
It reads **11:39**
